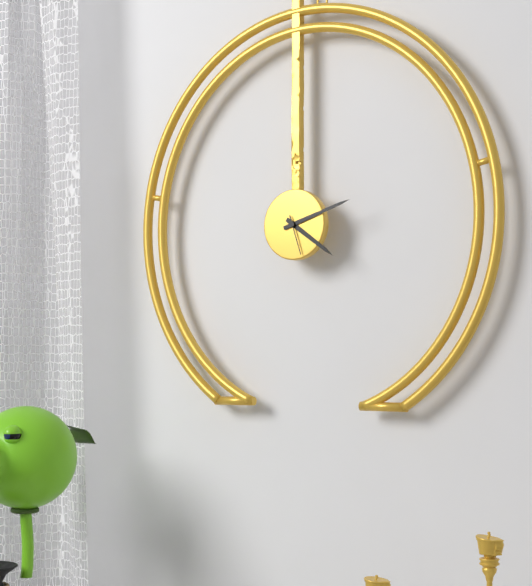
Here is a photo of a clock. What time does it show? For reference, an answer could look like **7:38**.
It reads **4:12**
